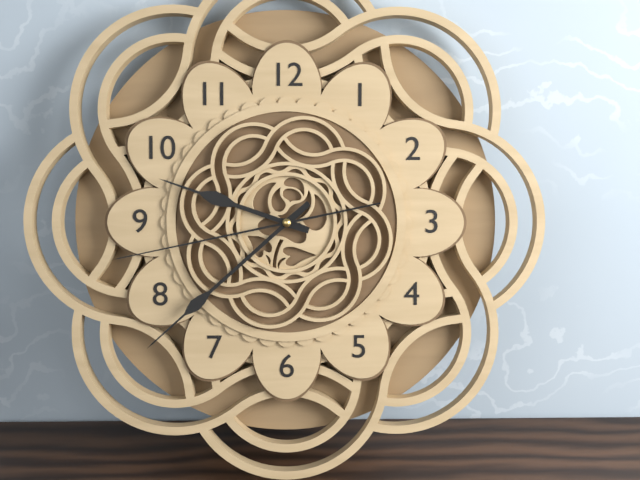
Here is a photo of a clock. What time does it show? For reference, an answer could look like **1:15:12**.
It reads **9:38:43**
